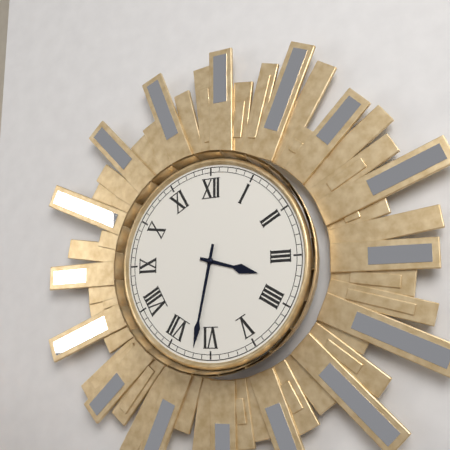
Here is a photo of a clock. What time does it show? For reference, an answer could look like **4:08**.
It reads **3:32**
